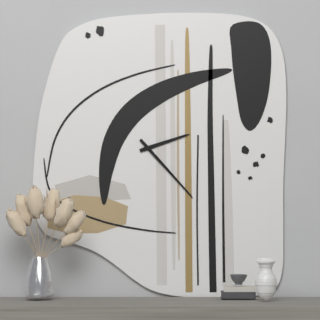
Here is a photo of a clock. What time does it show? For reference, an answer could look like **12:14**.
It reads **2:23**
